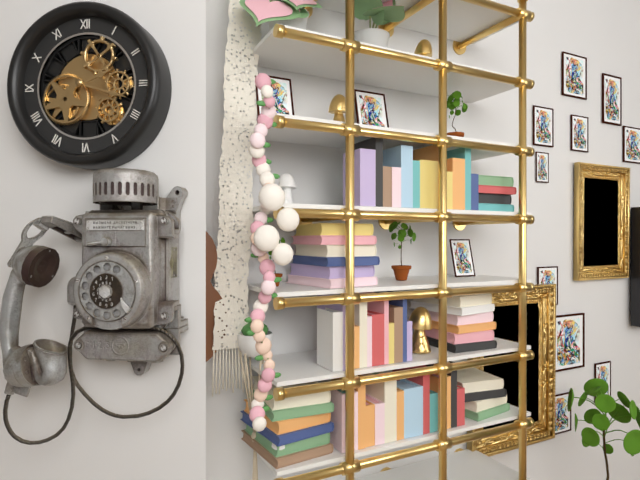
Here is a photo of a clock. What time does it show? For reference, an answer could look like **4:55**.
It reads **2:18**
